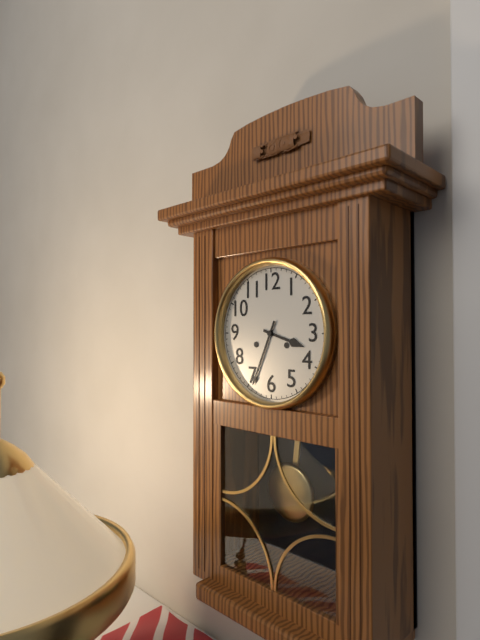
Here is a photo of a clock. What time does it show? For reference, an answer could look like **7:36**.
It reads **3:34**
